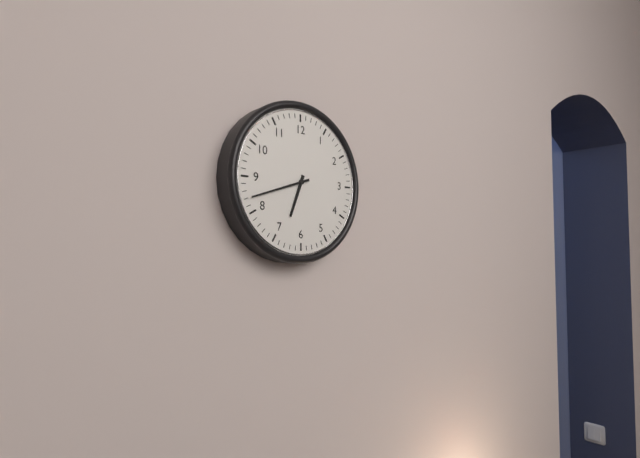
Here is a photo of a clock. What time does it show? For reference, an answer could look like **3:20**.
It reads **6:42**
